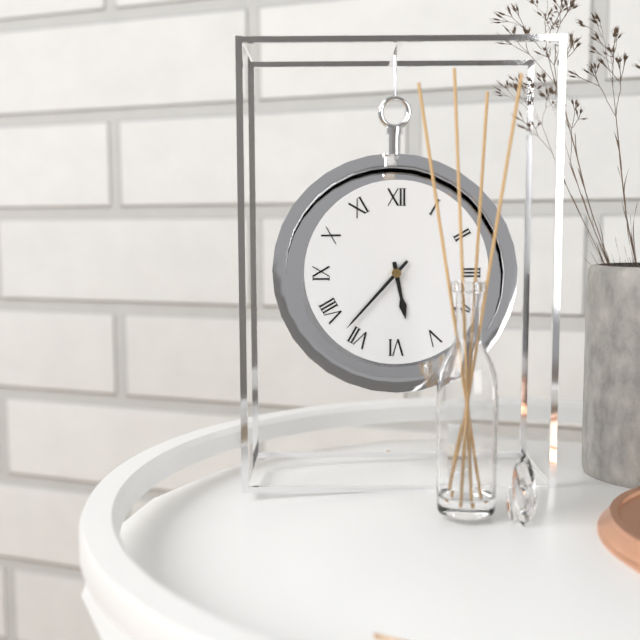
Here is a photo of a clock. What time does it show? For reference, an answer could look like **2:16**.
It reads **5:37**
